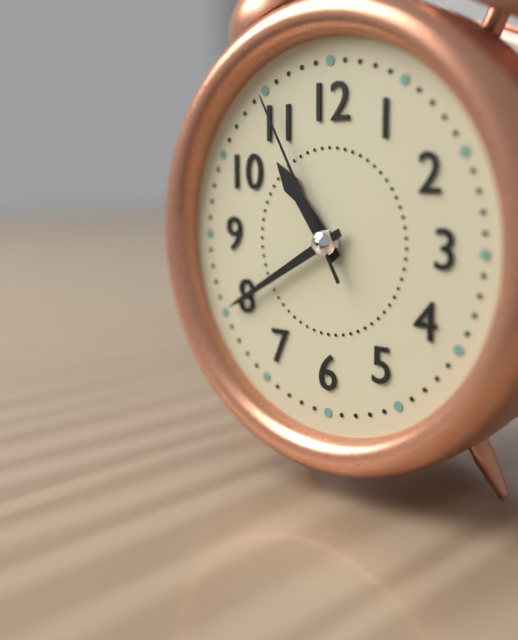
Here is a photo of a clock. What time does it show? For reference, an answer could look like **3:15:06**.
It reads **10:40:55**
